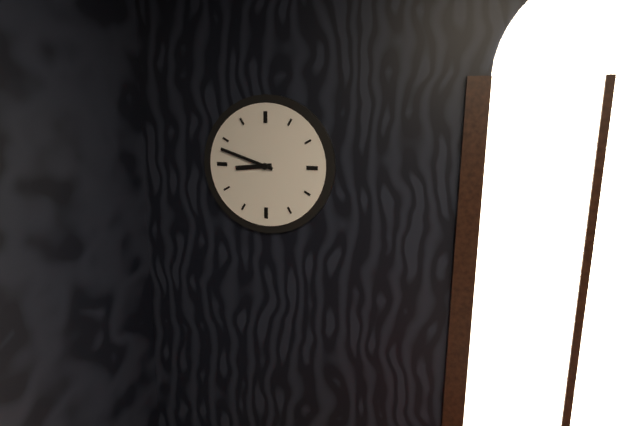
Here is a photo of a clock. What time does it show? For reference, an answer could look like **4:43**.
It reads **8:48**
